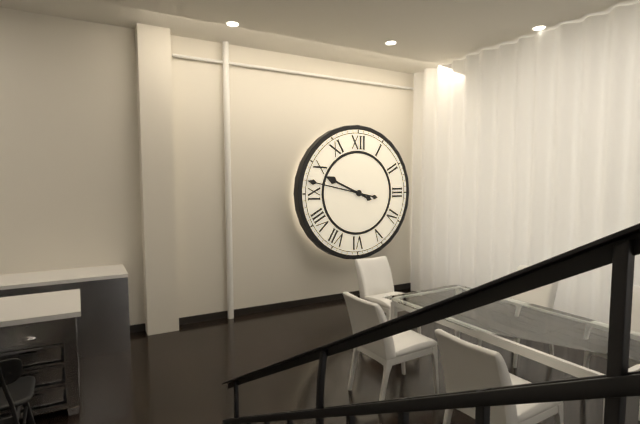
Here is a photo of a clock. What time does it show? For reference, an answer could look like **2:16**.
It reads **9:47**
